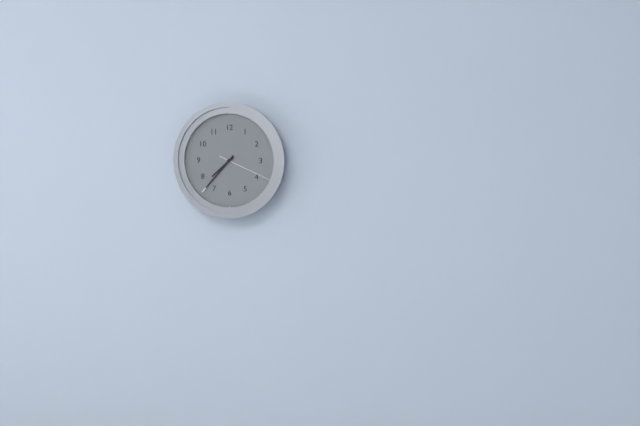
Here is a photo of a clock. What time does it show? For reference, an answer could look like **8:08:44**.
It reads **7:37:19**
